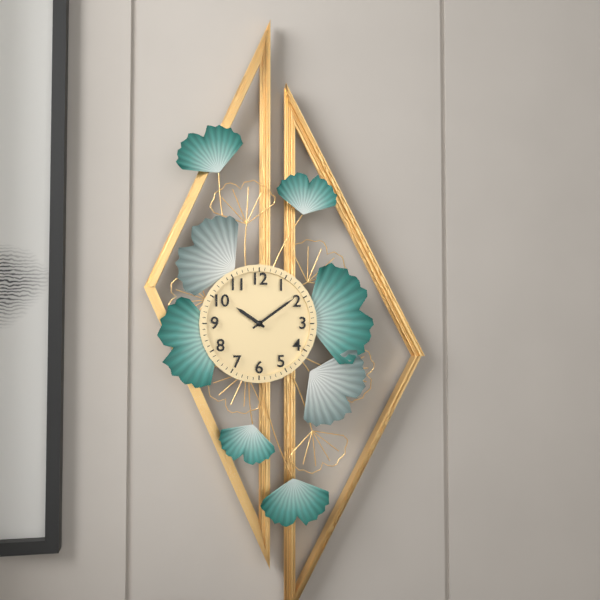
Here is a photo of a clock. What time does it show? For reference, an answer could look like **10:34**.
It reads **10:09**
